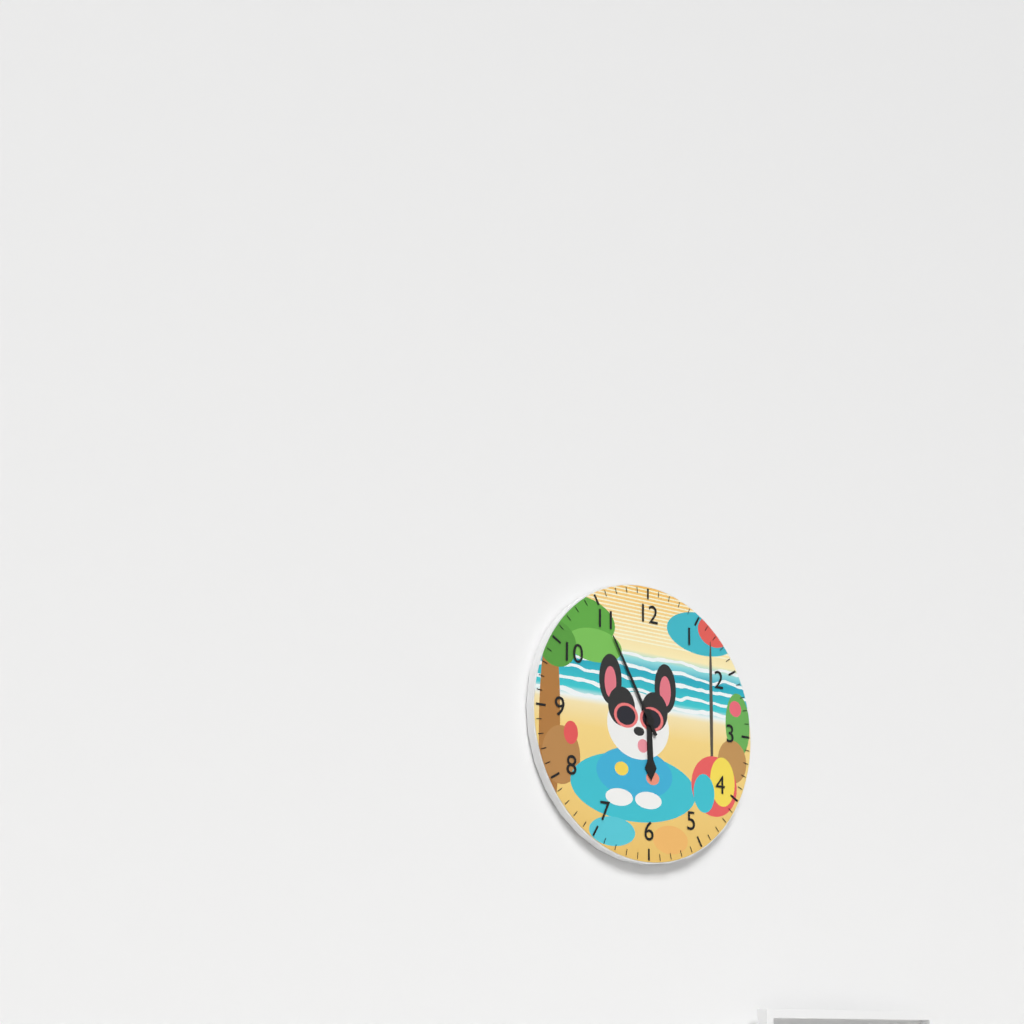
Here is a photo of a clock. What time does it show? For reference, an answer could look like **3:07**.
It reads **5:55**
